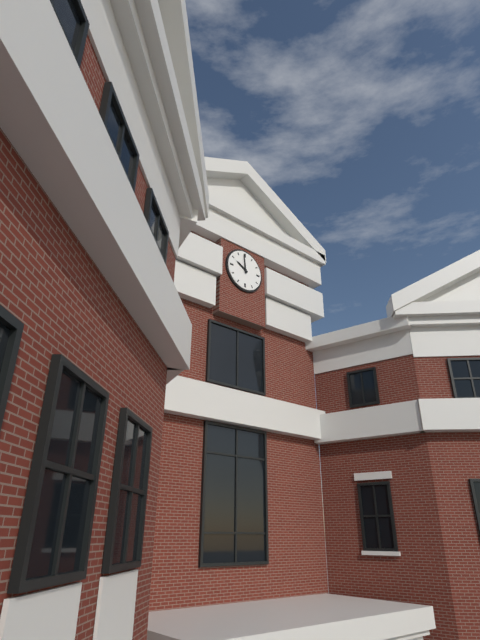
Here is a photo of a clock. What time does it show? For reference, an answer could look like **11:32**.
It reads **9:59**
